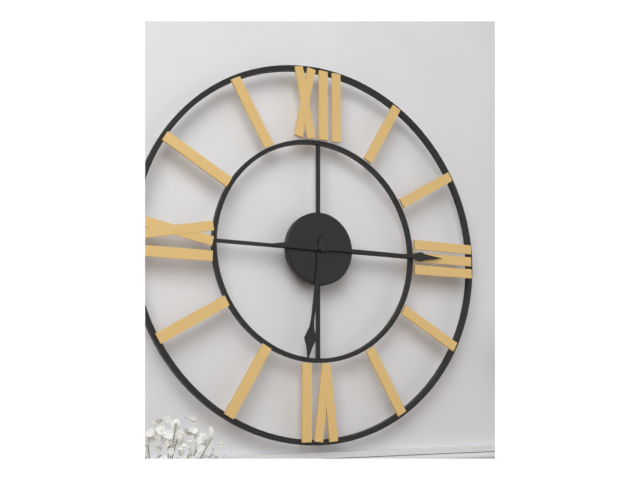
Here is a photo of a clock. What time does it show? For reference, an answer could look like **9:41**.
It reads **6:15**
